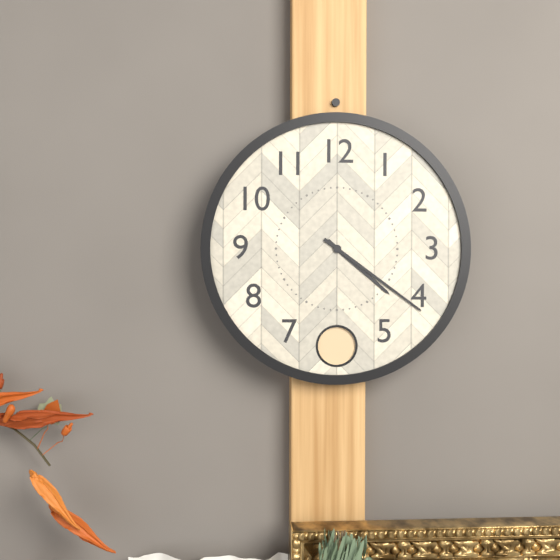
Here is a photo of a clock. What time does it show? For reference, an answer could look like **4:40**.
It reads **4:21**
